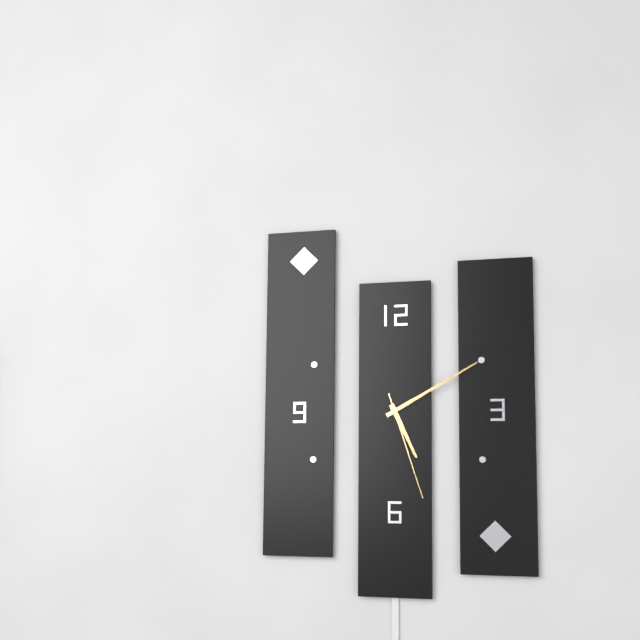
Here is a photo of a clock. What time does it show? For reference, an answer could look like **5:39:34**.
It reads **5:10:27**
